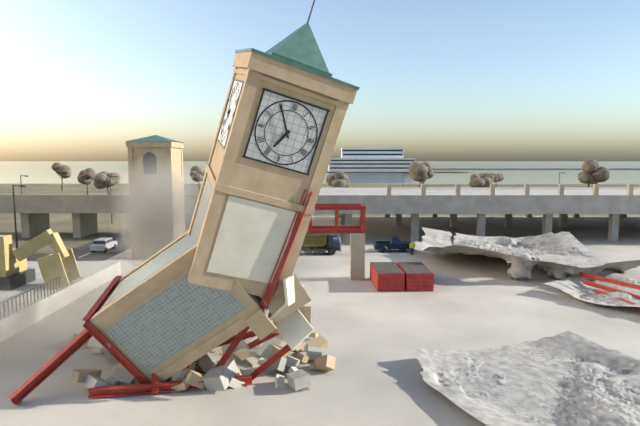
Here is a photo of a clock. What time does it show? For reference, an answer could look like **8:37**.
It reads **6:55**
